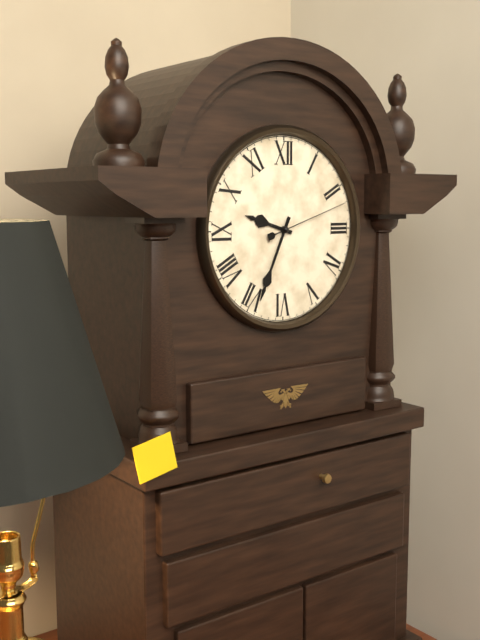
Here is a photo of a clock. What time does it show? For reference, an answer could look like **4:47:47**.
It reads **9:34:12**
